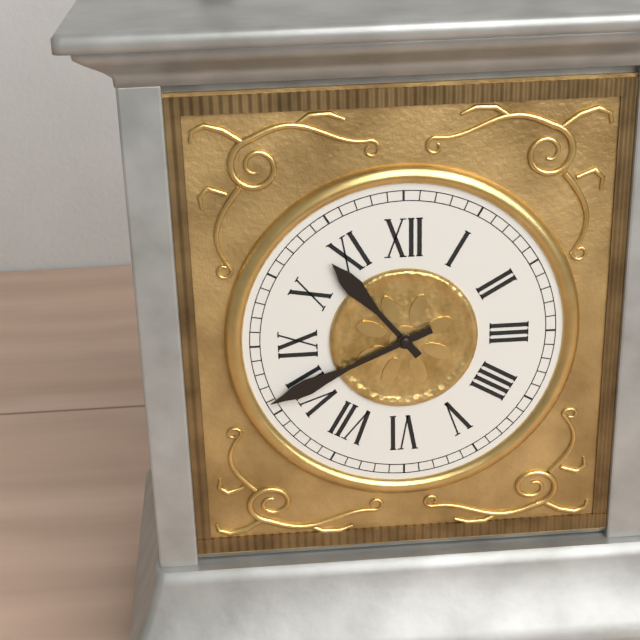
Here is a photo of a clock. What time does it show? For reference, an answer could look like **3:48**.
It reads **10:41**
